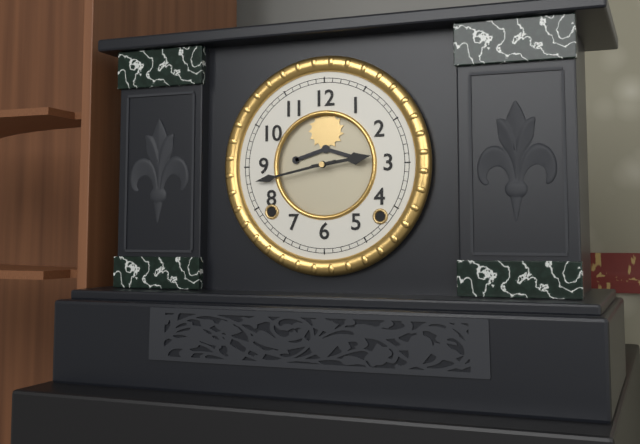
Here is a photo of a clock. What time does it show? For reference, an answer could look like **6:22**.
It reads **2:43**
